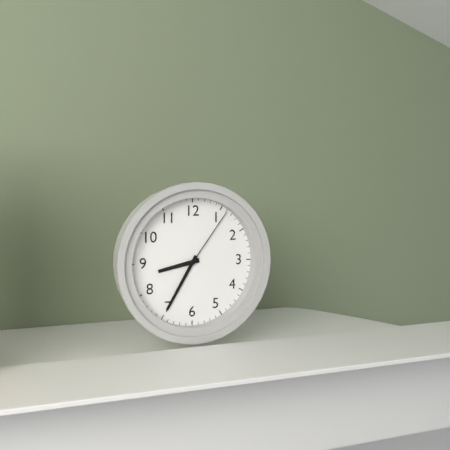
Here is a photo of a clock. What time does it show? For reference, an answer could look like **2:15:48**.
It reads **8:35:06**
